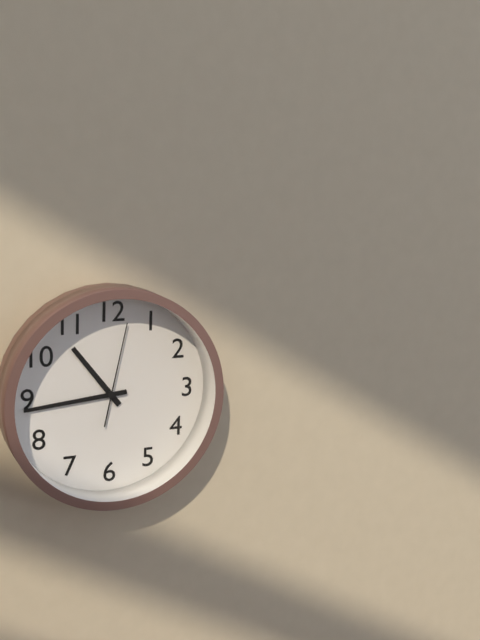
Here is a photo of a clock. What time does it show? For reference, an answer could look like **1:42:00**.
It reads **10:44:02**
